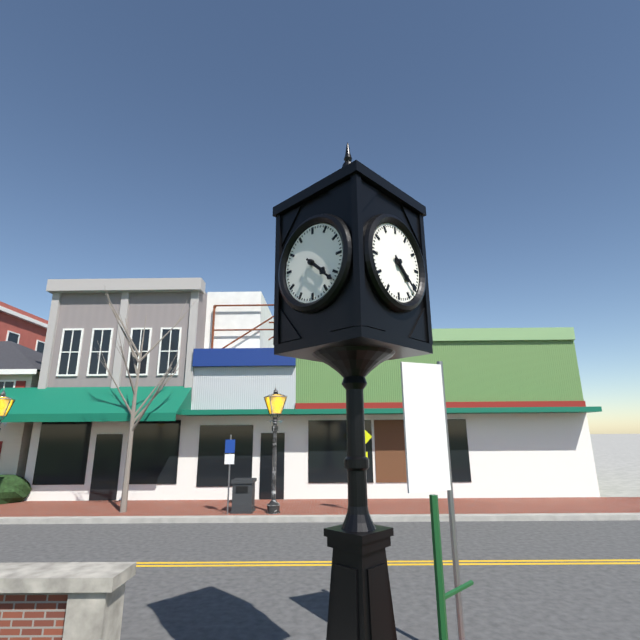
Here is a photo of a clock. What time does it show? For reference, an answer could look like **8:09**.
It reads **4:22**
